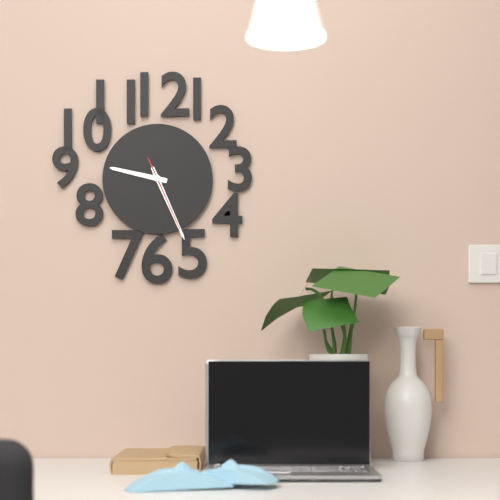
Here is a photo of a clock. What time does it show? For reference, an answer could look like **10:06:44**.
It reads **9:26:26**
